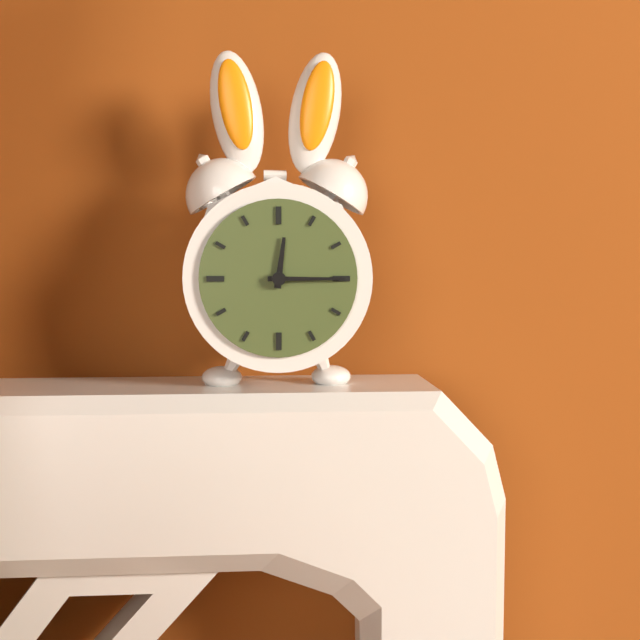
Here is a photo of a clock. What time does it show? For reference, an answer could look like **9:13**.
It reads **12:15**
